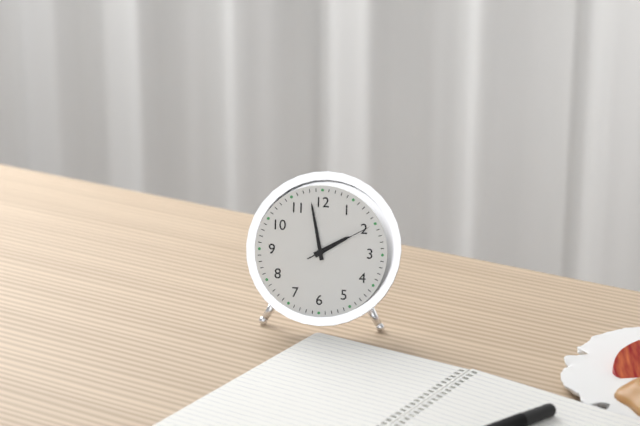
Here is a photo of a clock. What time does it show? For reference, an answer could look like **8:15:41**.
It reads **1:58:10**
